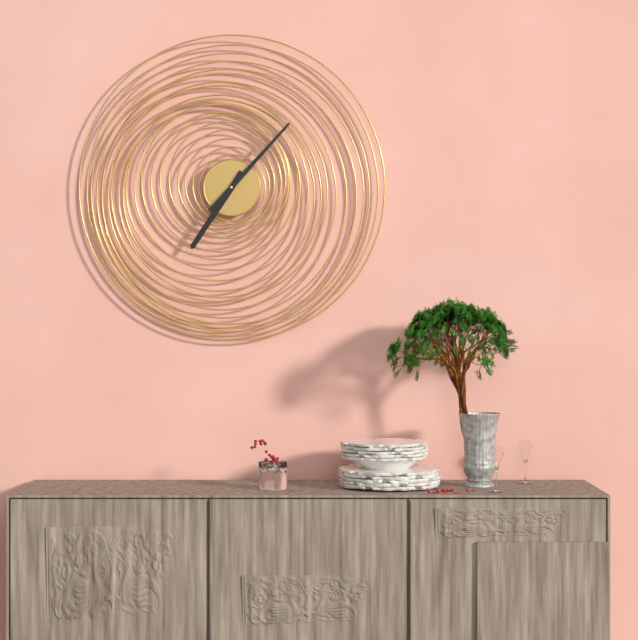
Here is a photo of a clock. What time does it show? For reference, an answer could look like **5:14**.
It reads **7:07**
